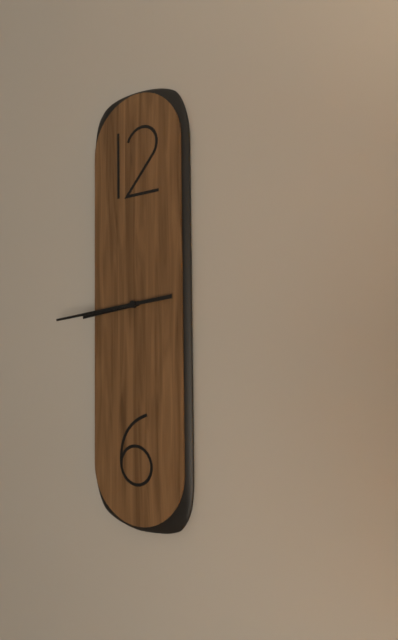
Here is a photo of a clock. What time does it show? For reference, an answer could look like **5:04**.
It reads **8:44**
